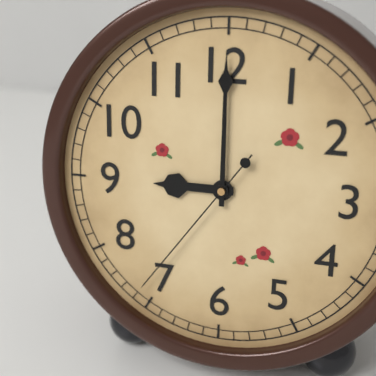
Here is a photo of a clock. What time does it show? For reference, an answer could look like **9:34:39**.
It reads **9:00:36**
